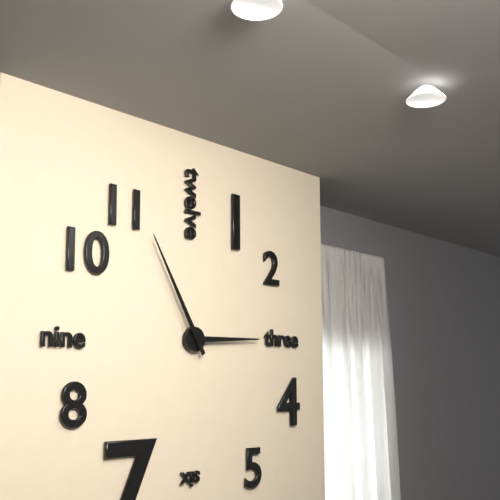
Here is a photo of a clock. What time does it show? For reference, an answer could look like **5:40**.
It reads **2:55**
